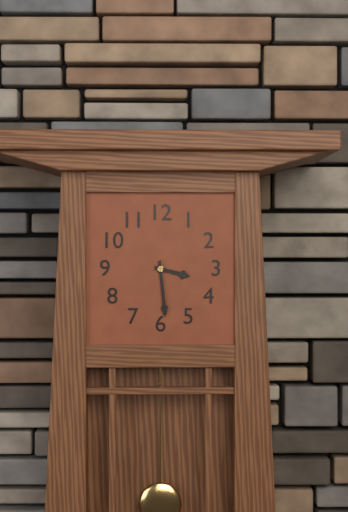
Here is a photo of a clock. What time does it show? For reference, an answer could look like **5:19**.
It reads **3:29**
